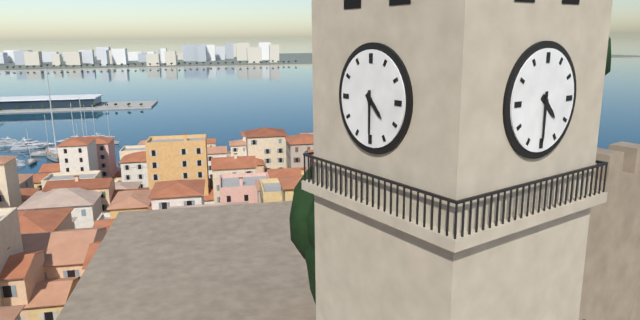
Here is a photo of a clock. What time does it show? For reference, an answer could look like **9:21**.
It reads **4:30**
